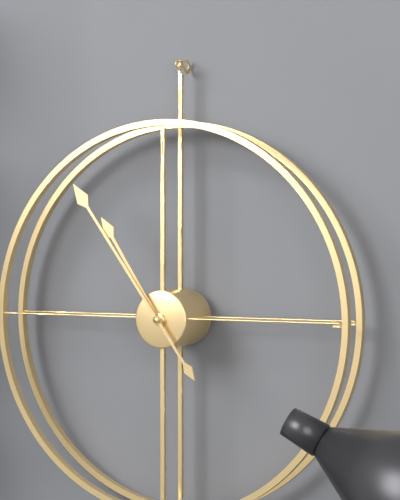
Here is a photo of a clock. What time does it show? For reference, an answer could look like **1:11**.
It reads **10:54**
